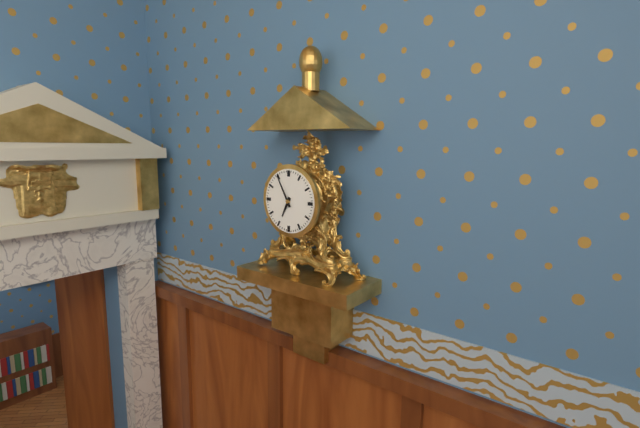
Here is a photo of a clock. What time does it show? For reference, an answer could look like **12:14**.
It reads **6:55**
